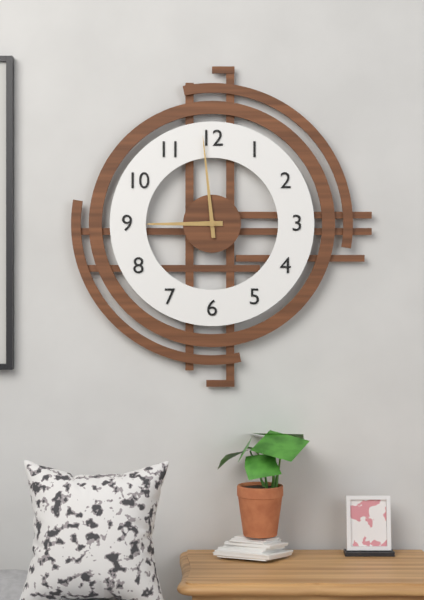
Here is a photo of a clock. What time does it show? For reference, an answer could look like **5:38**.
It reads **8:59**
